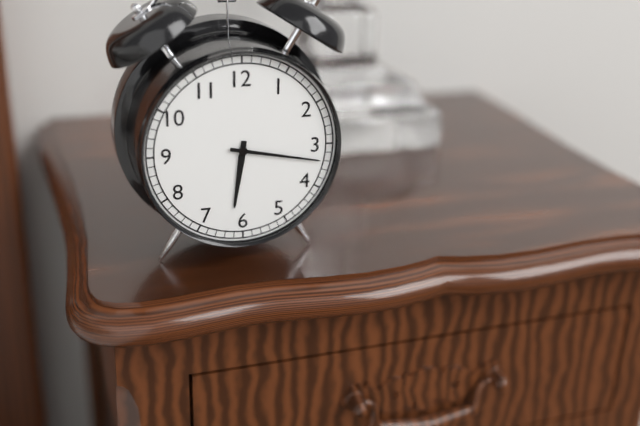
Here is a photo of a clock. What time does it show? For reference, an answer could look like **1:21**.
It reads **6:17**
